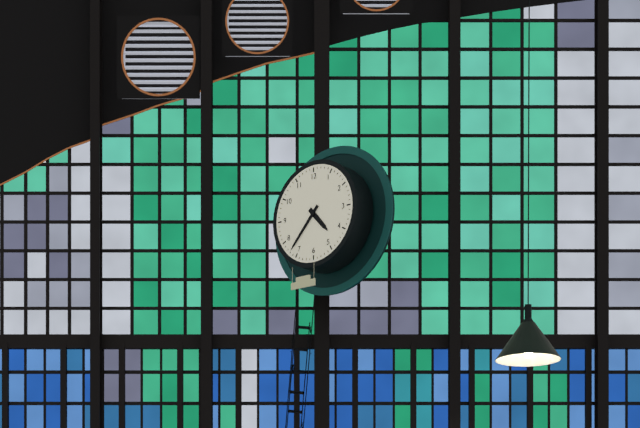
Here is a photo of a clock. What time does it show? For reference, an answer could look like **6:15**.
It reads **4:37**
